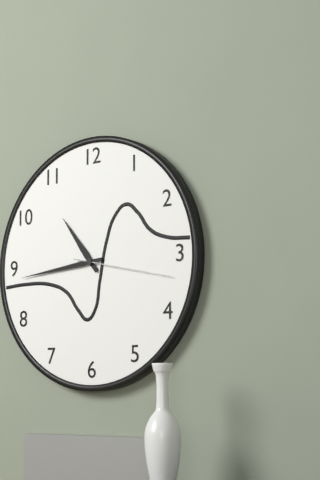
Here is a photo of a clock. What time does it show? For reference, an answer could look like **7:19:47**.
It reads **10:44:17**
